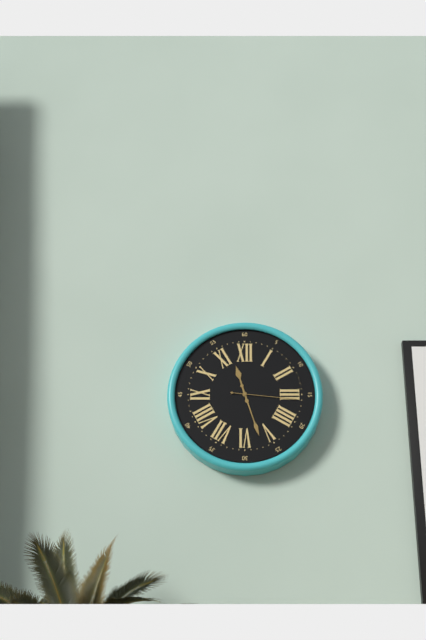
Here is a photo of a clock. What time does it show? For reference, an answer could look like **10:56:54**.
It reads **11:27:16**
